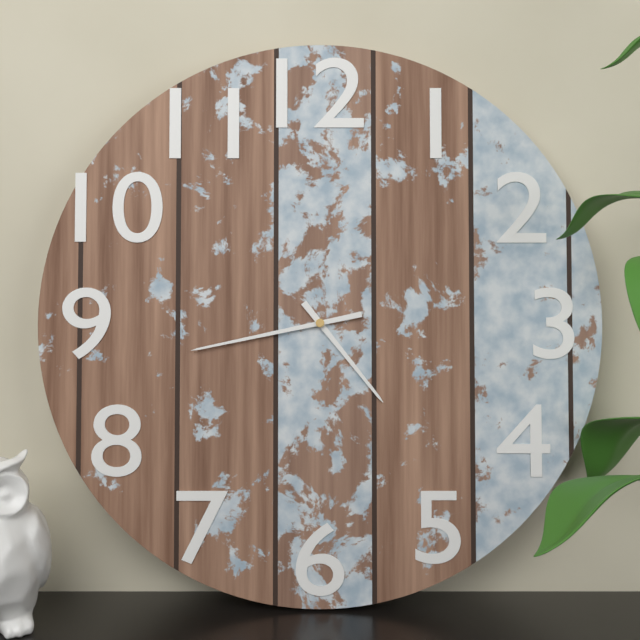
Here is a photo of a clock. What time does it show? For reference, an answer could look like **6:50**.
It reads **4:43**
